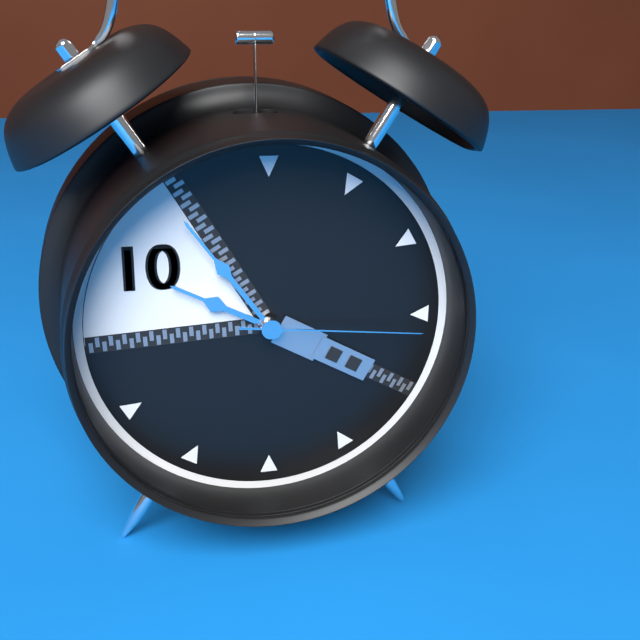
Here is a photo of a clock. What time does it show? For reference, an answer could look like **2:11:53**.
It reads **9:54:16**
